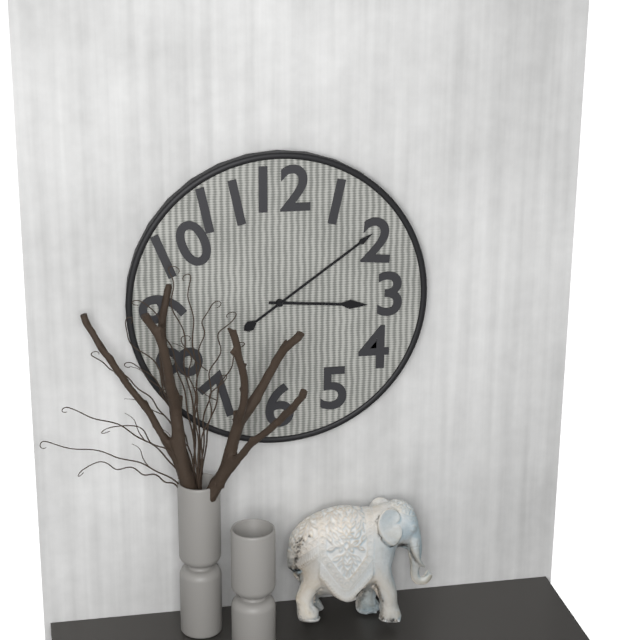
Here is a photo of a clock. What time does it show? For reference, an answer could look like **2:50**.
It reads **3:09**
